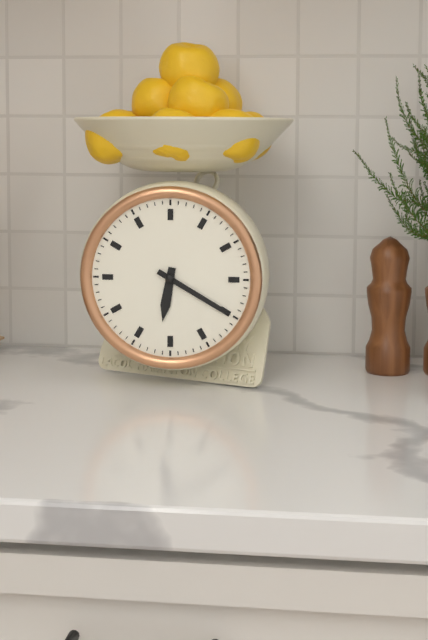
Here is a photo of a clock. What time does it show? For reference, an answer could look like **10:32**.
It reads **6:20**
